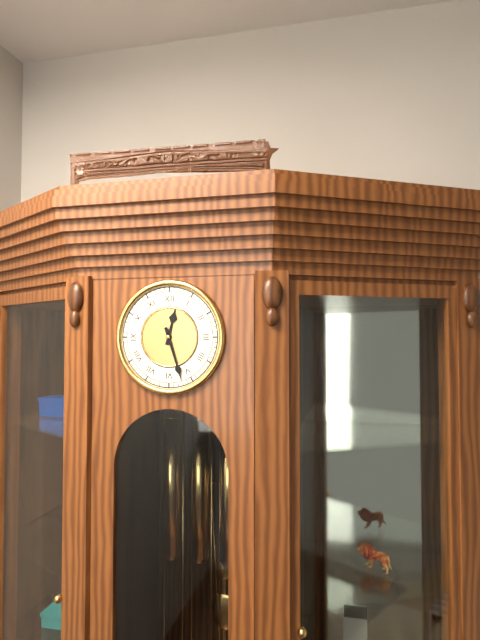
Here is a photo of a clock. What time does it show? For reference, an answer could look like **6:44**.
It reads **12:27**
